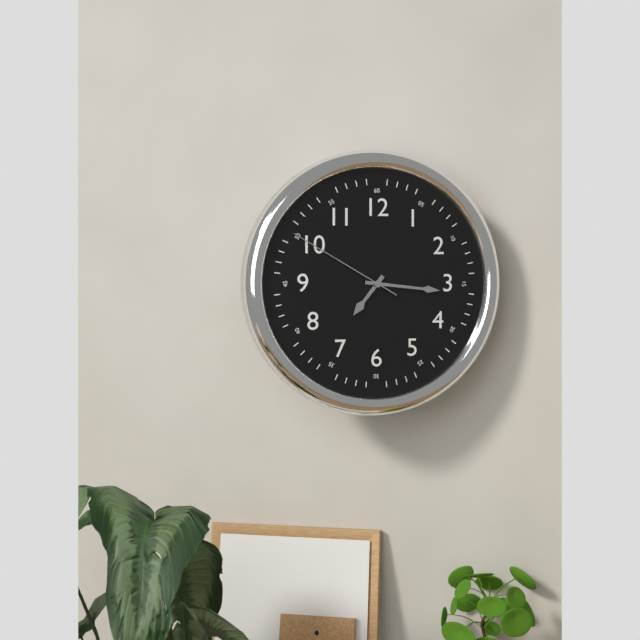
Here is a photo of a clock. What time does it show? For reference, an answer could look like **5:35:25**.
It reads **7:16:50**
